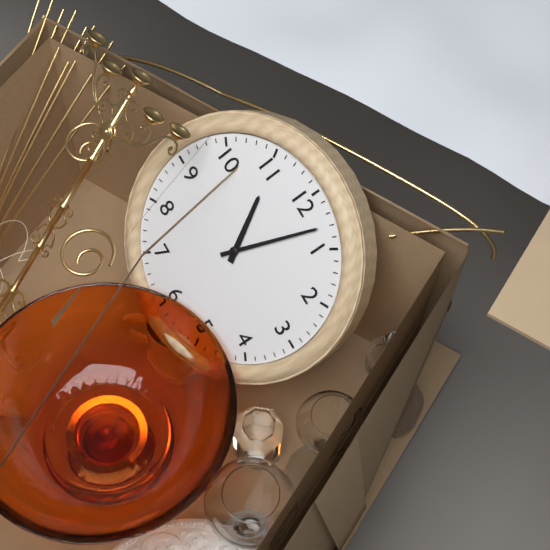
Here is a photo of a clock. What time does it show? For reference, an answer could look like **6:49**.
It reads **11:03**
